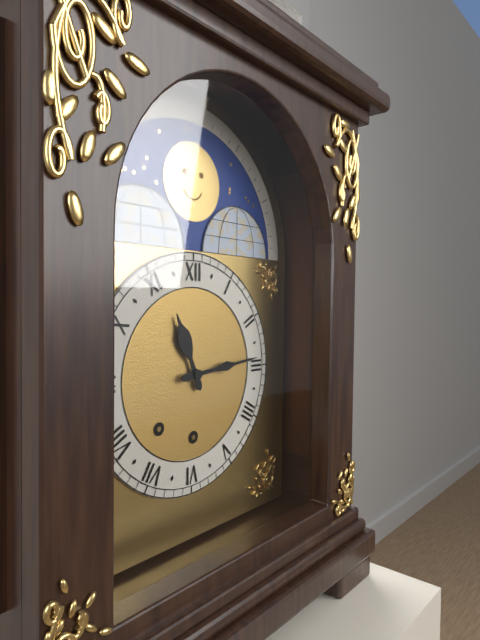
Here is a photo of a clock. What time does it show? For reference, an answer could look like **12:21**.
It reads **11:14**
